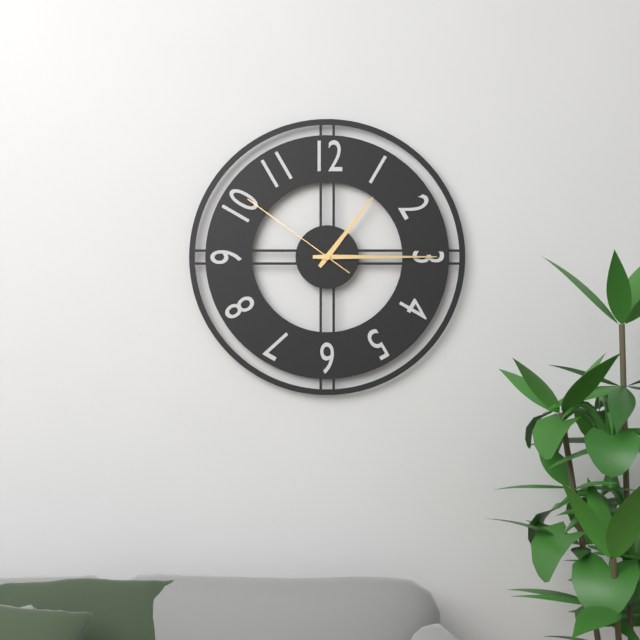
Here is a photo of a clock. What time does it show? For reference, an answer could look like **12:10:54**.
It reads **1:15:51**
